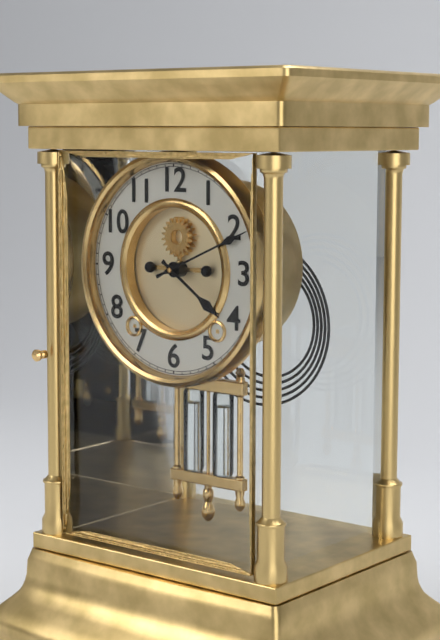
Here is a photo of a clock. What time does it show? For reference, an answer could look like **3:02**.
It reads **4:11**
